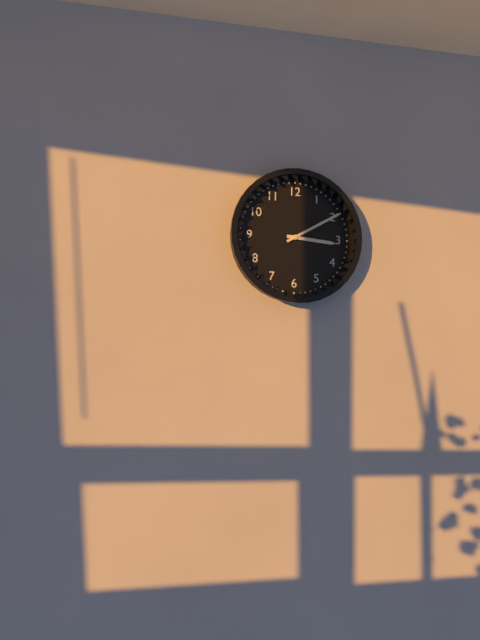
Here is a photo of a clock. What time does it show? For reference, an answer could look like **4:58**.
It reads **3:10**
